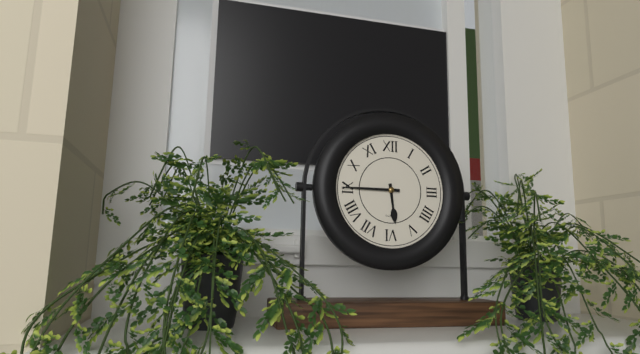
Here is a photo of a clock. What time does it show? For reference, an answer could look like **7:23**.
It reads **5:45**
